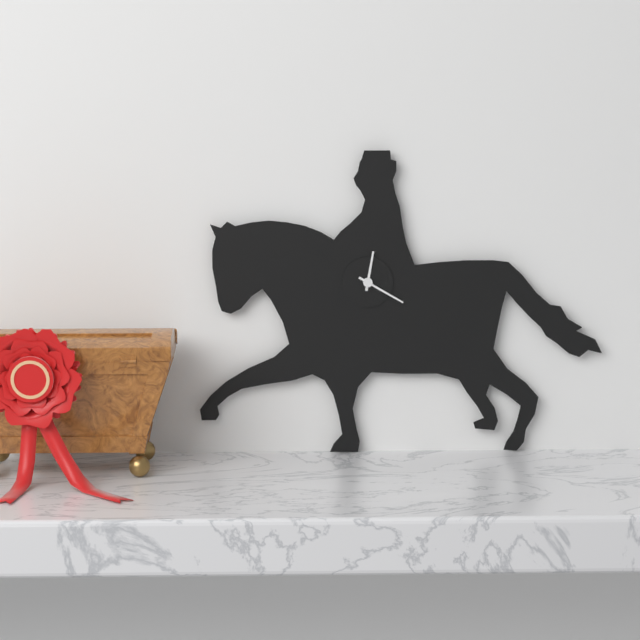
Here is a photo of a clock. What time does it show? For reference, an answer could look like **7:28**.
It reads **12:20**
